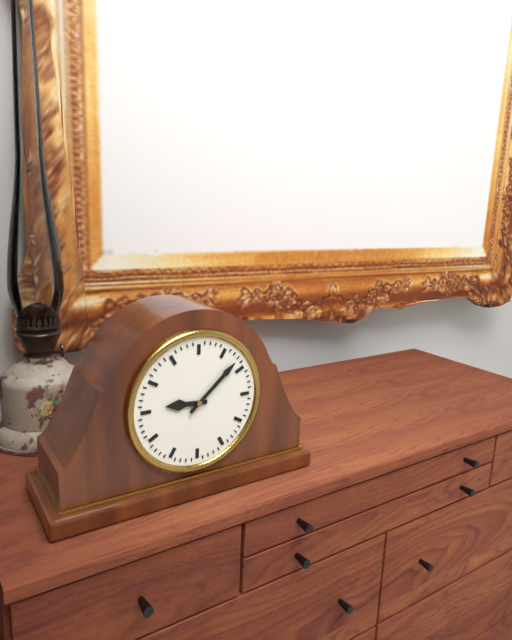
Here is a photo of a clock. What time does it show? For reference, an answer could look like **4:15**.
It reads **9:08**
